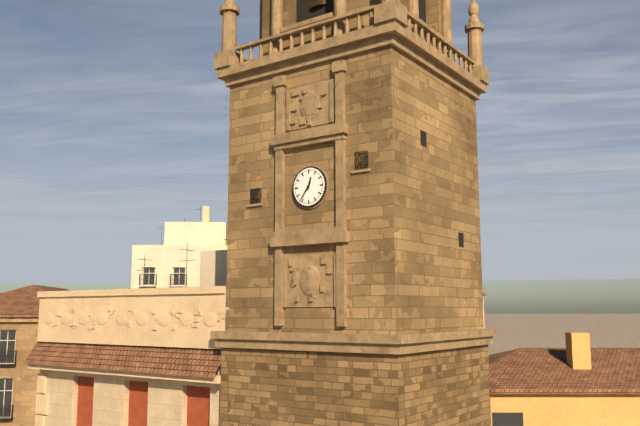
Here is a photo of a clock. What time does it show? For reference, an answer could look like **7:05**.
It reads **12:36**
